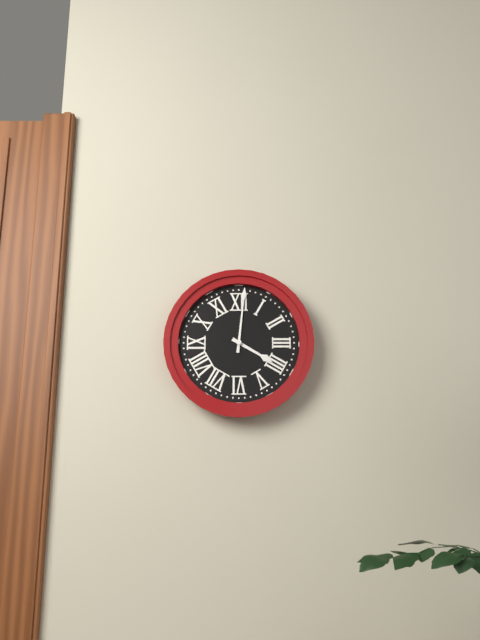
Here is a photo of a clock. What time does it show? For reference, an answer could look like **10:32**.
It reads **4:01**
